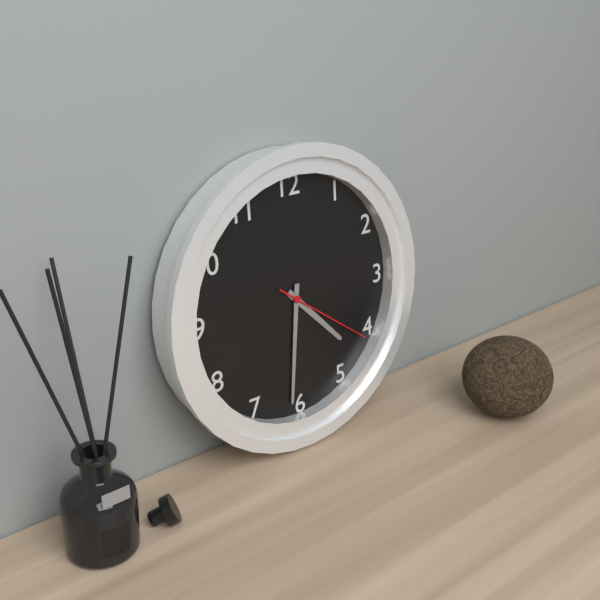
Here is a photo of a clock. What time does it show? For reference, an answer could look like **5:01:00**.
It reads **4:31:21**
